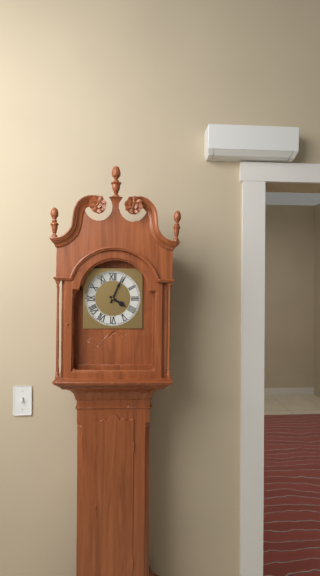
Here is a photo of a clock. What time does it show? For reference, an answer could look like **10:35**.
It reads **4:04**
